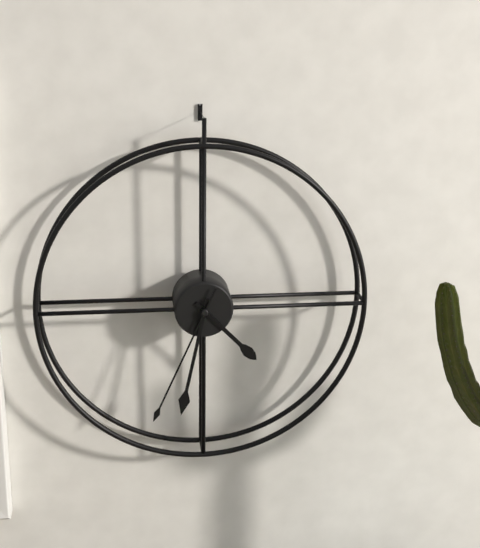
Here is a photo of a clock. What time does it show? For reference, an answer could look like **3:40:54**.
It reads **4:32:34**
